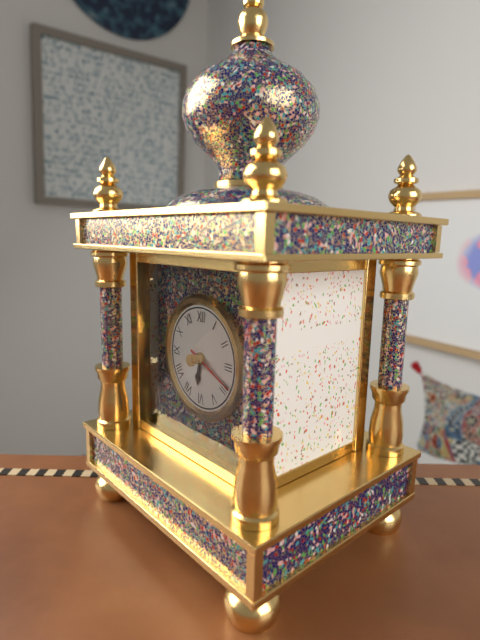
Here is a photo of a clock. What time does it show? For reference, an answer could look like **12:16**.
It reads **6:19**
